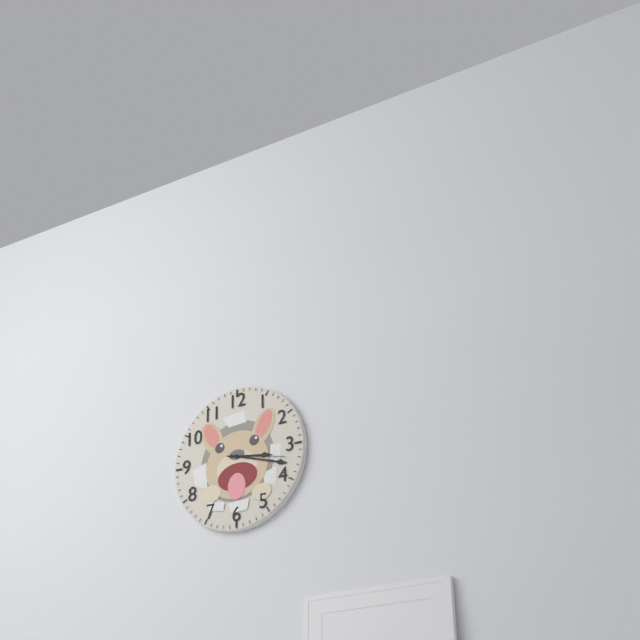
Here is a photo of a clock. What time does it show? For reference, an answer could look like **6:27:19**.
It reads **3:18:17**
